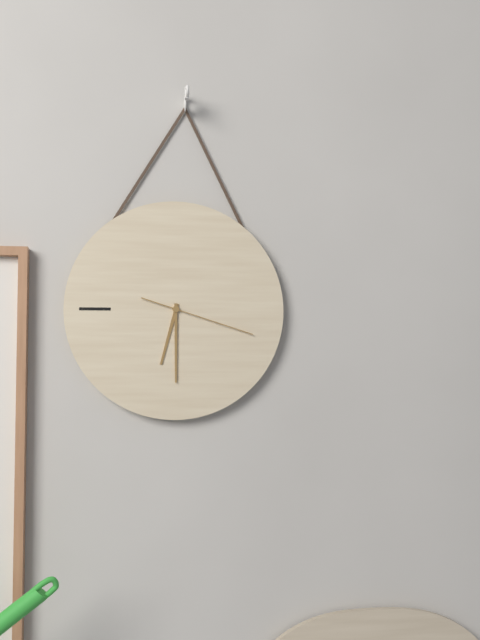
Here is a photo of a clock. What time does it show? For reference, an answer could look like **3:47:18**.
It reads **6:30:18**
